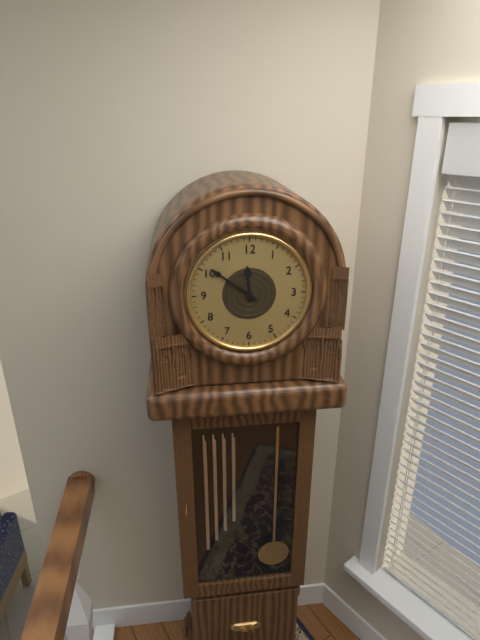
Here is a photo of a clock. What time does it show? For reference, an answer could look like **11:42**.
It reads **11:51**
